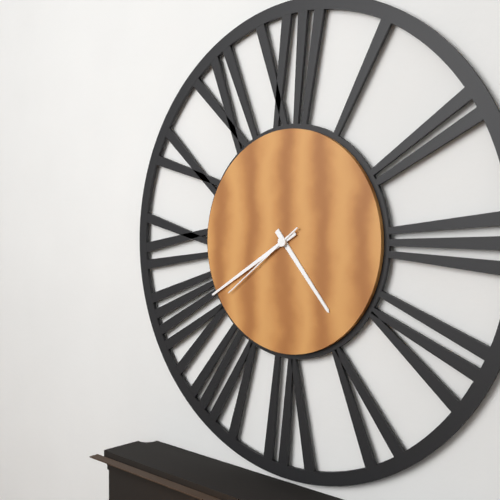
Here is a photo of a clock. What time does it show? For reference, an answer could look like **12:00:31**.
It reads **4:40:39**
